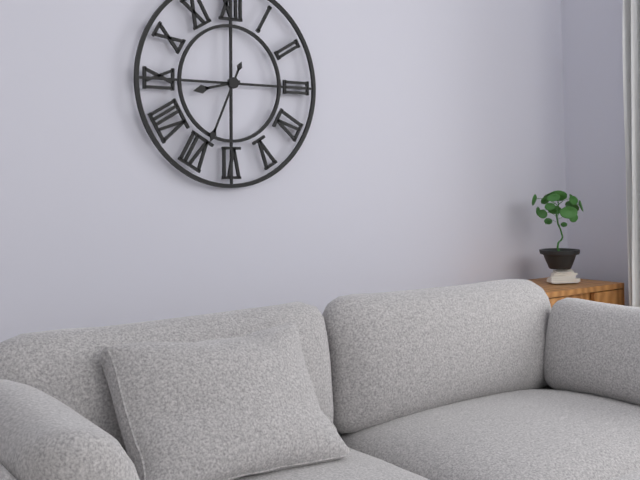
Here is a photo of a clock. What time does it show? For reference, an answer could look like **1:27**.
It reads **8:34**
